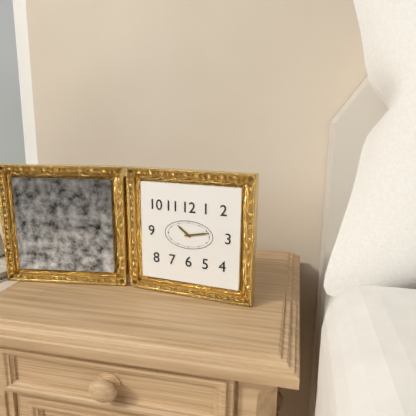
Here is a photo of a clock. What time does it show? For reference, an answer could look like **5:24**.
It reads **10:13**
